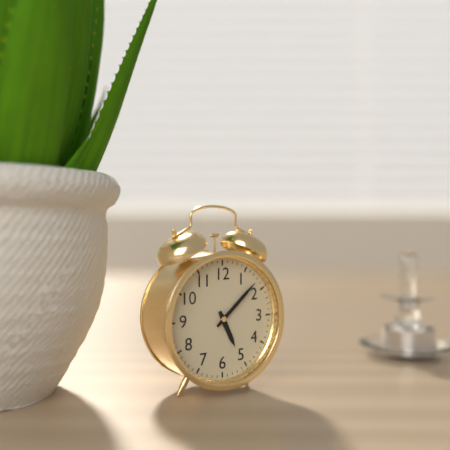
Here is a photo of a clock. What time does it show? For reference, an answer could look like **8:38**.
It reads **5:08**
